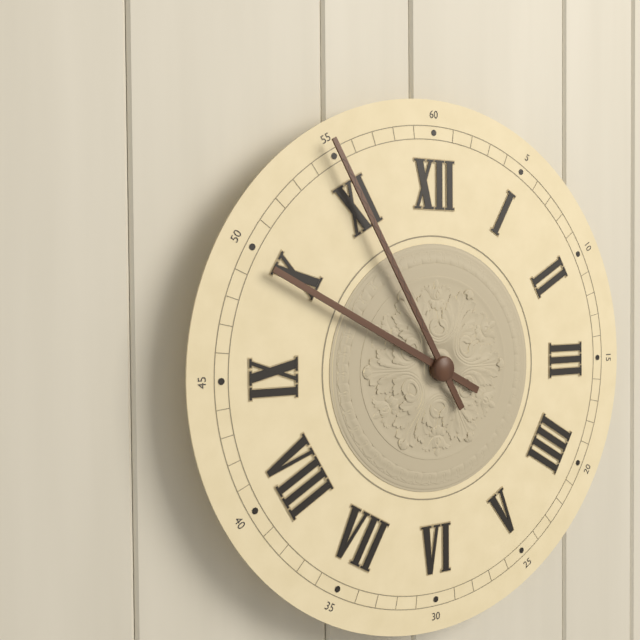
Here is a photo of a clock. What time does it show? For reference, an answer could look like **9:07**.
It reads **9:55**
